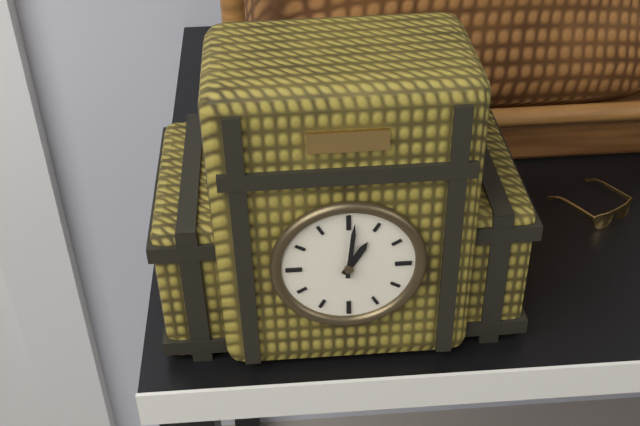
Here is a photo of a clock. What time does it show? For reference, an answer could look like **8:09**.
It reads **1:01**
